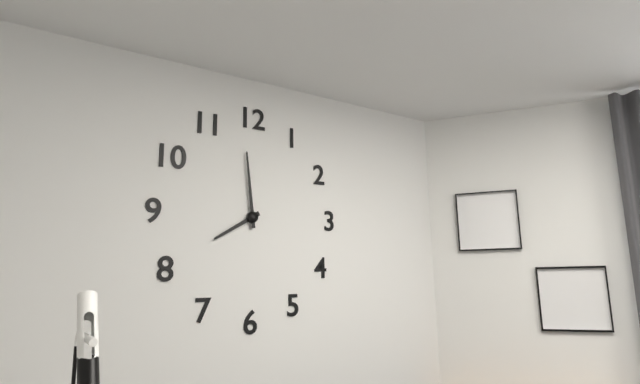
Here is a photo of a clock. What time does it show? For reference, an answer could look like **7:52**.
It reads **7:59**
